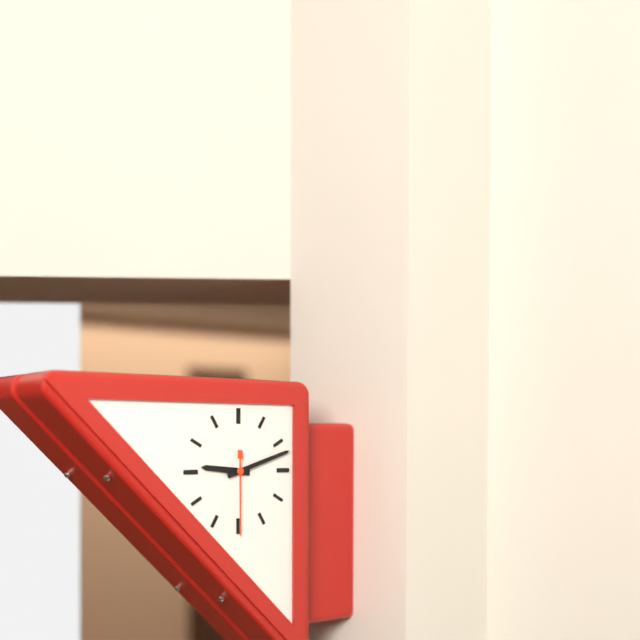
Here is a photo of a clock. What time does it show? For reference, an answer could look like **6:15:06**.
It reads **9:12:30**
